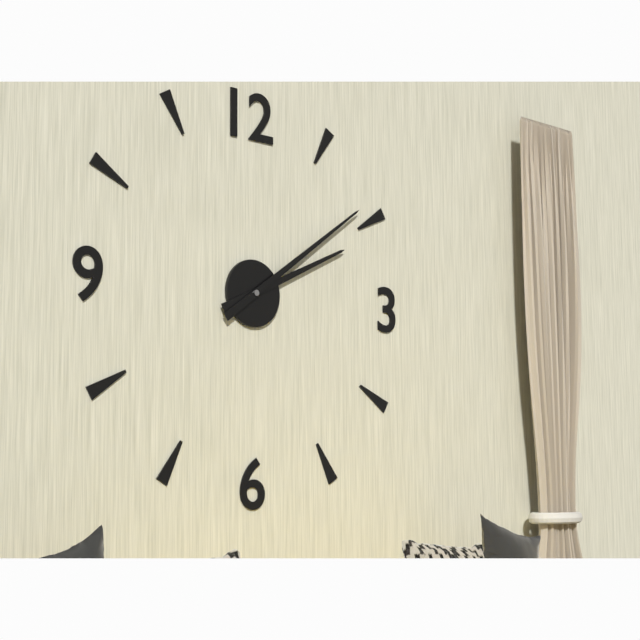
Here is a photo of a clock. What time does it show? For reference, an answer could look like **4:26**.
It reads **2:09**
